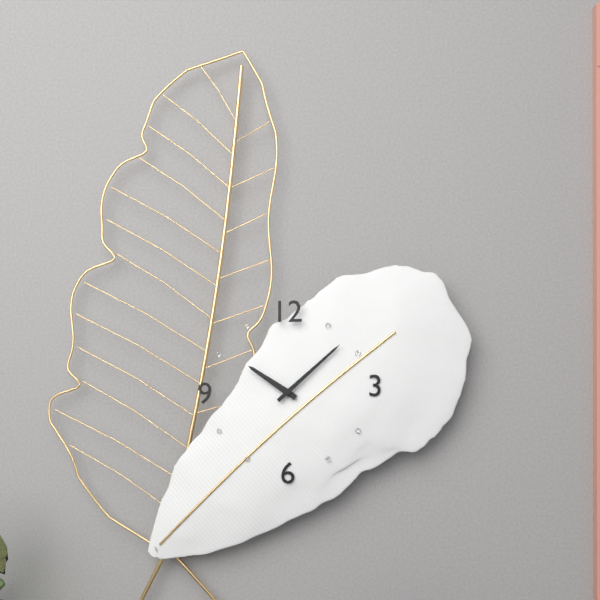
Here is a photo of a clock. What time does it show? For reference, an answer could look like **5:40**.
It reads **10:08**
